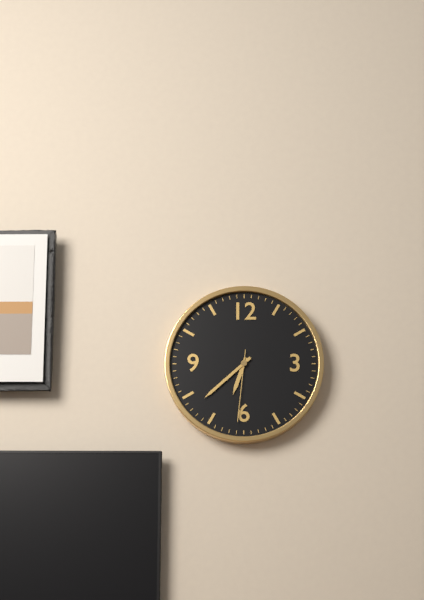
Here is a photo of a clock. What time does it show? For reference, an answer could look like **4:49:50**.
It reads **6:38:31**
